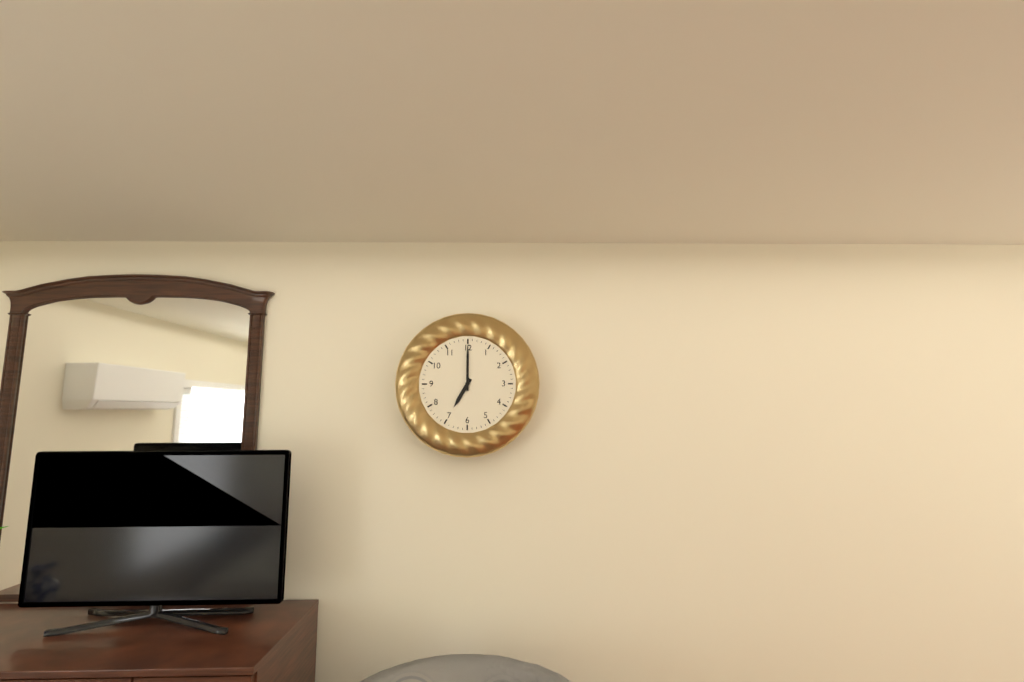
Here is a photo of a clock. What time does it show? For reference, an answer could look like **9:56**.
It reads **7:00**
